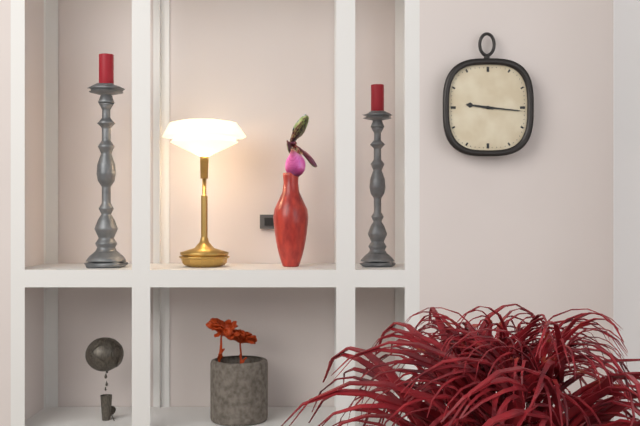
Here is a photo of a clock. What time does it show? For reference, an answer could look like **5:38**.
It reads **9:16**
